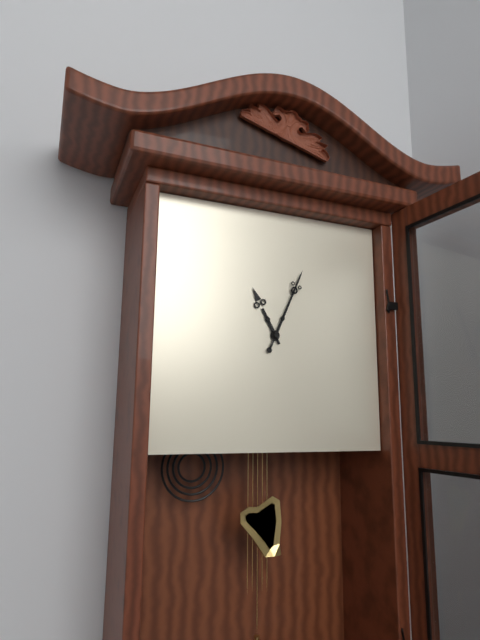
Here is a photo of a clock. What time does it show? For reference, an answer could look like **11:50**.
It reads **11:04**
